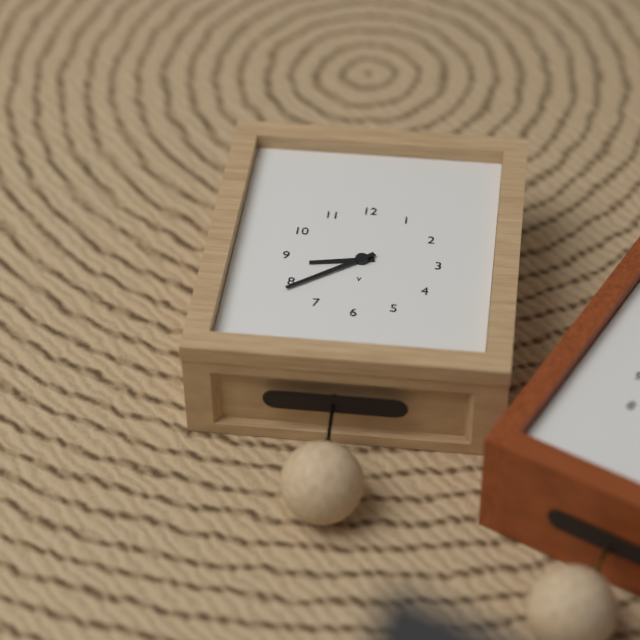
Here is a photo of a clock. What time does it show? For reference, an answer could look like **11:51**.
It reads **8:39**
